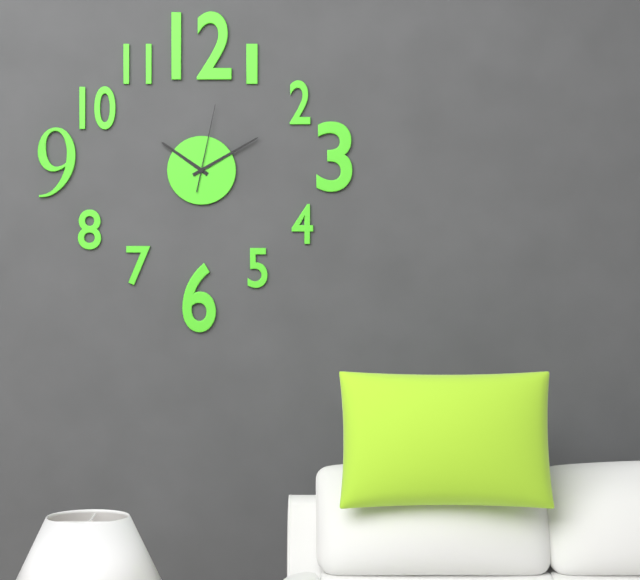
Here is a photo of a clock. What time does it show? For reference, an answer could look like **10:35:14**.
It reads **10:10:02**
